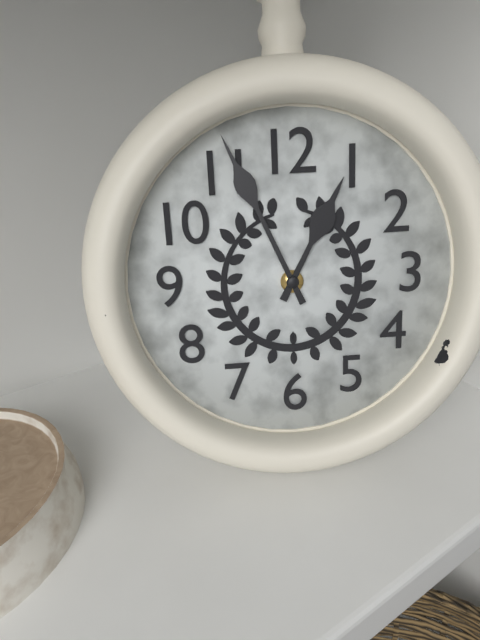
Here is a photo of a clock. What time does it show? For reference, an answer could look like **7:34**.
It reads **12:56**
